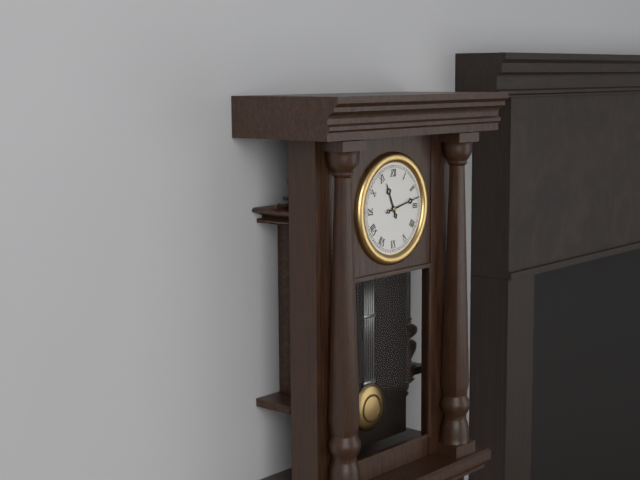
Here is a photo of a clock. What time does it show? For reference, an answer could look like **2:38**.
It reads **11:13**
